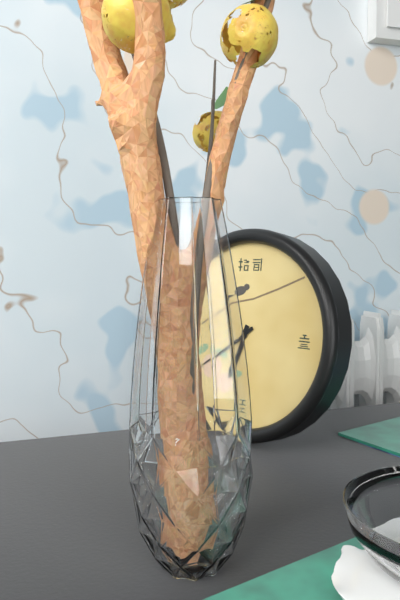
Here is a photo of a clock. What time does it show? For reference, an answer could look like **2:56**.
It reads **6:39**
